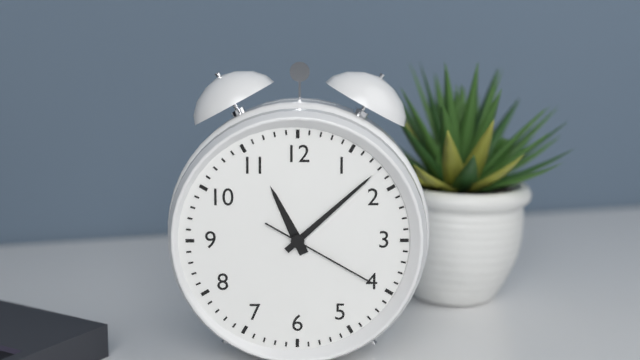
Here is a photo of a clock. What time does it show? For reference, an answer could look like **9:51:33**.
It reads **11:08:20**
